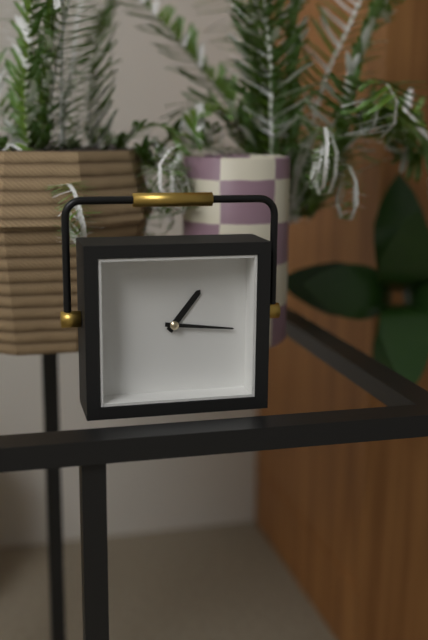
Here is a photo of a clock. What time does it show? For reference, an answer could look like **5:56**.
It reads **1:16**
